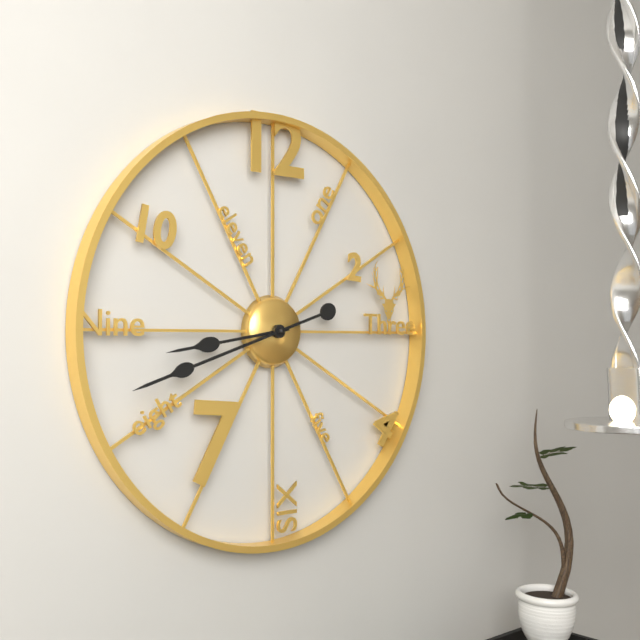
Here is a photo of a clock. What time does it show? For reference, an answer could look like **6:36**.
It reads **8:42**
